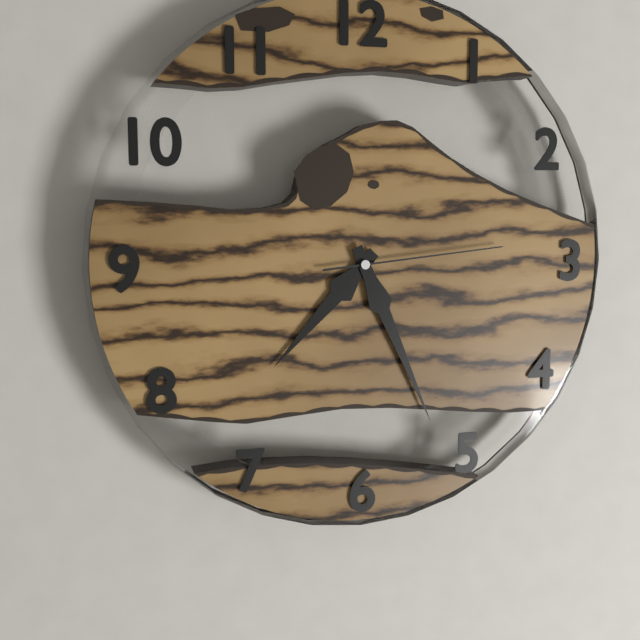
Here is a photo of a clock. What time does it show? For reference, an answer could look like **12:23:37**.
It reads **7:26:14**
